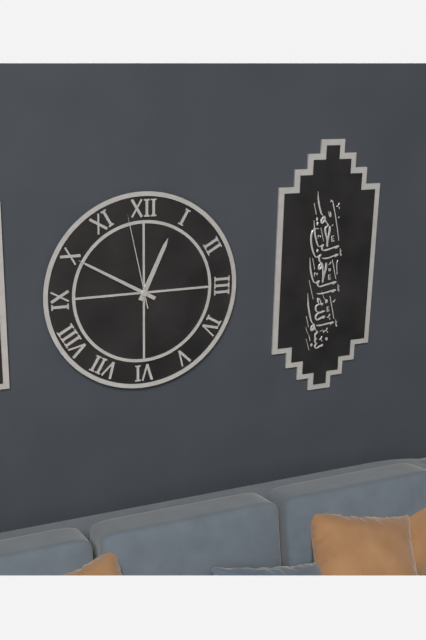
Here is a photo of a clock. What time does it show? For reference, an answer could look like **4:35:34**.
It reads **12:50:58**
